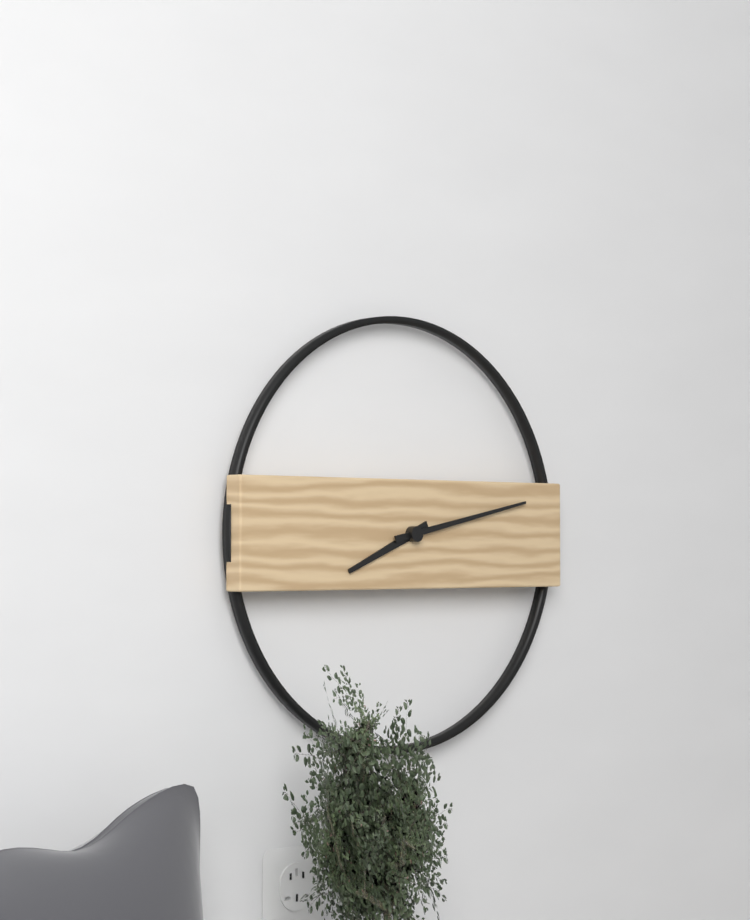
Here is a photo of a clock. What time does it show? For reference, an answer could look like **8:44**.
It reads **8:13**
